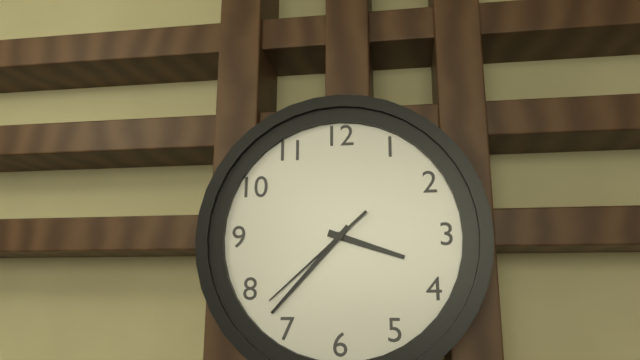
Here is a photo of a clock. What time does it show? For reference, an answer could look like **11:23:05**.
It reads **3:37:38**
